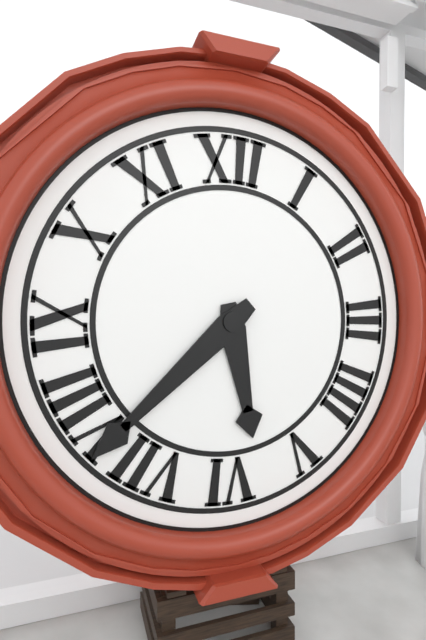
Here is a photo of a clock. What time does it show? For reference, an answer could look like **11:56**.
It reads **5:38**
